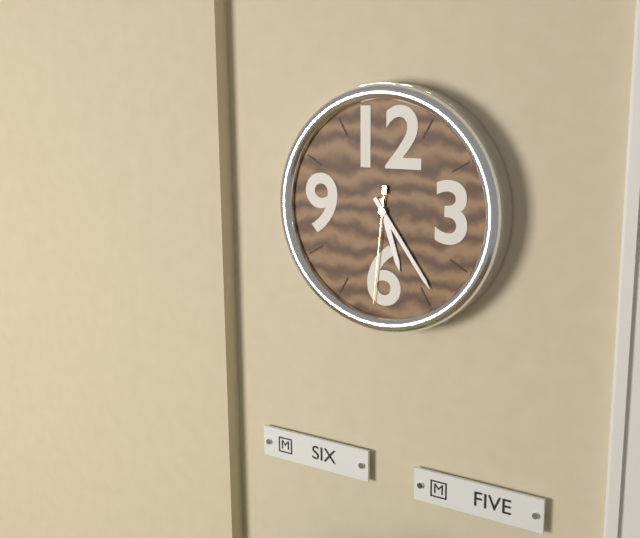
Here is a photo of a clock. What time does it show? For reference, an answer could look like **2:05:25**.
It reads **5:24:31**
